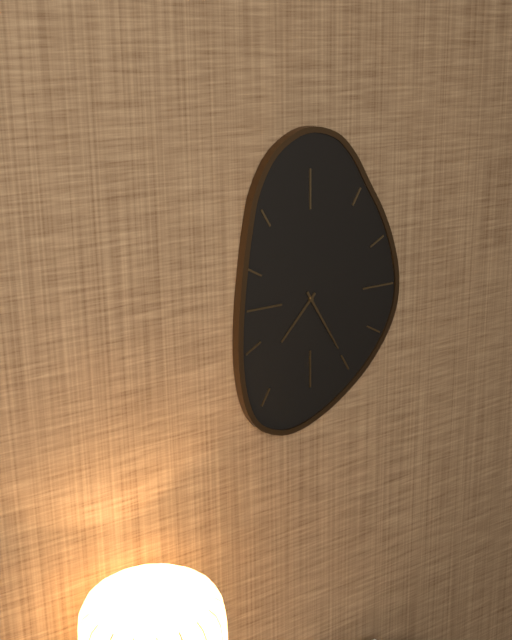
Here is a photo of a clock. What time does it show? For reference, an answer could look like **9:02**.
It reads **7:25**
